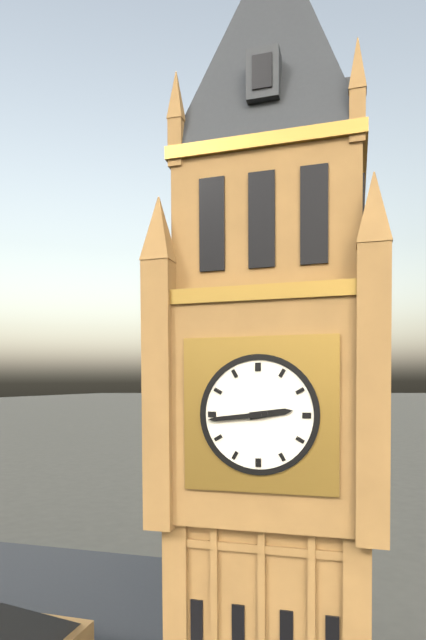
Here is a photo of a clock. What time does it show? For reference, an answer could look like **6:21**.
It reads **2:44**
